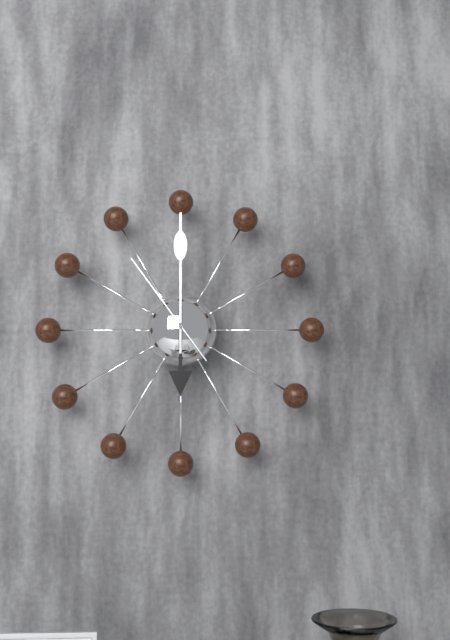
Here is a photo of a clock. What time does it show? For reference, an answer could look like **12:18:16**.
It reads **6:00:54**
